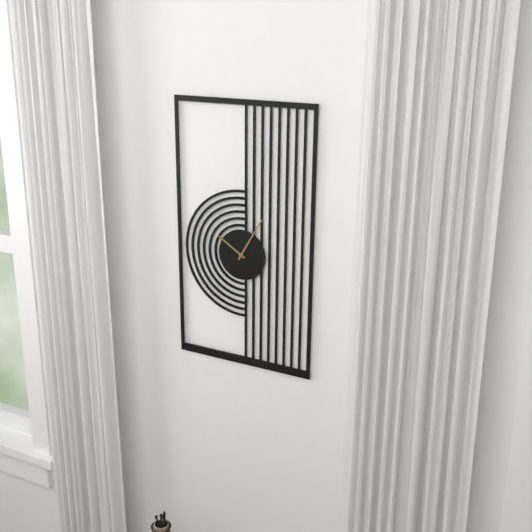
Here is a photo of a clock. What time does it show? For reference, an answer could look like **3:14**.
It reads **10:05**
